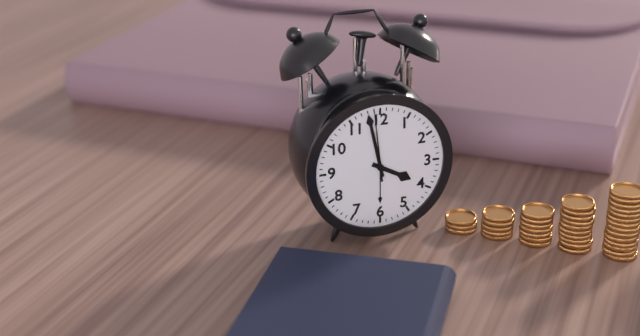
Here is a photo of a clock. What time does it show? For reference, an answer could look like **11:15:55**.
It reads **3:58:59**
